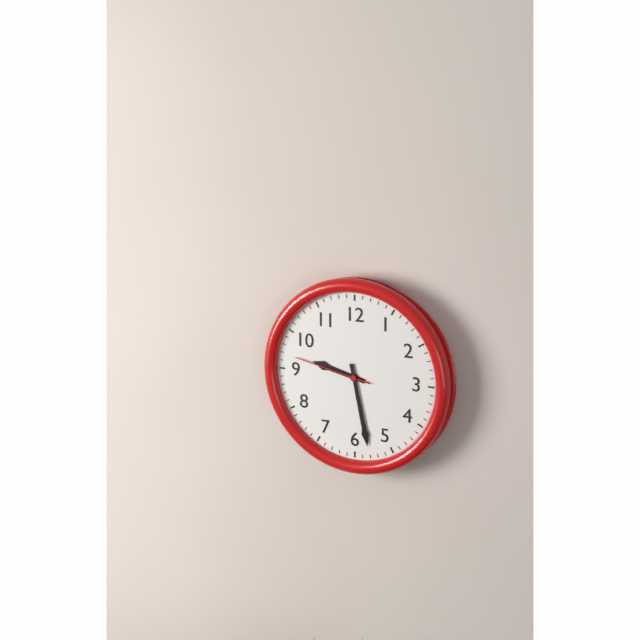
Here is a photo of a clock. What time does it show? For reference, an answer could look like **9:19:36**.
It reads **9:28:47**
